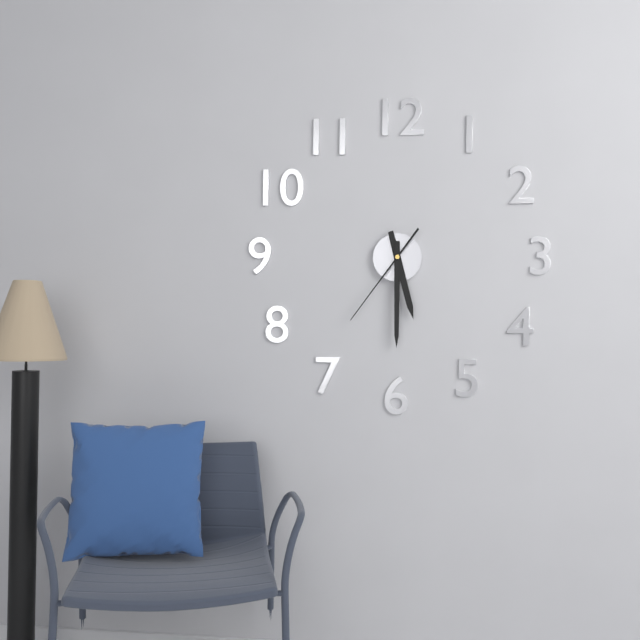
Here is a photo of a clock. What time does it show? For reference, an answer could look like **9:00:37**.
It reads **5:30:36**
